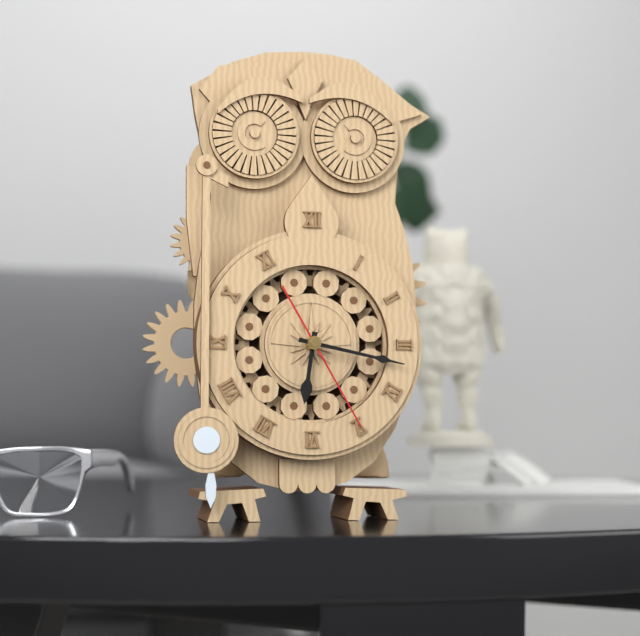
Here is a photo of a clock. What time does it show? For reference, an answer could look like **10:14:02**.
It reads **6:17:25**
